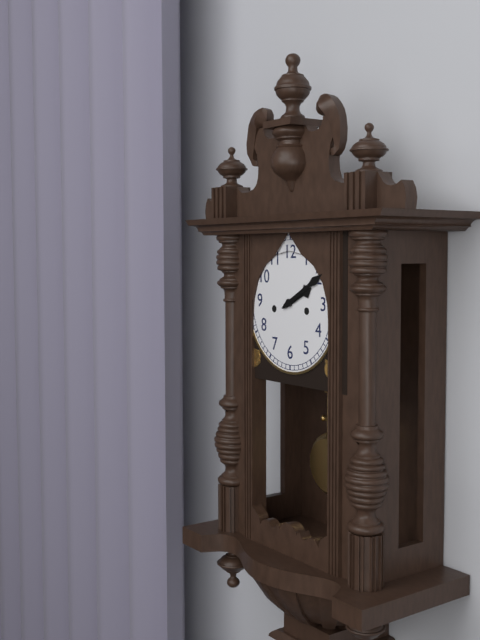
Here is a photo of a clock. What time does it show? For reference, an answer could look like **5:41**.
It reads **2:10**
